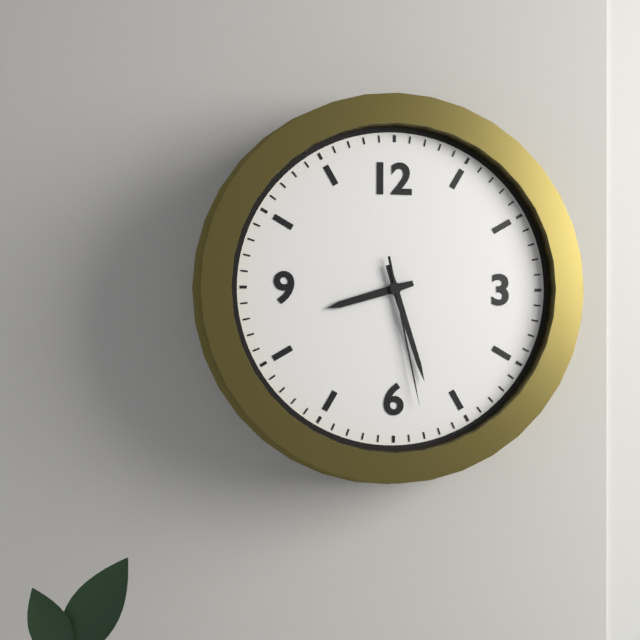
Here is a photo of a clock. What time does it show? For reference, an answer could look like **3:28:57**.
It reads **8:27:28**
